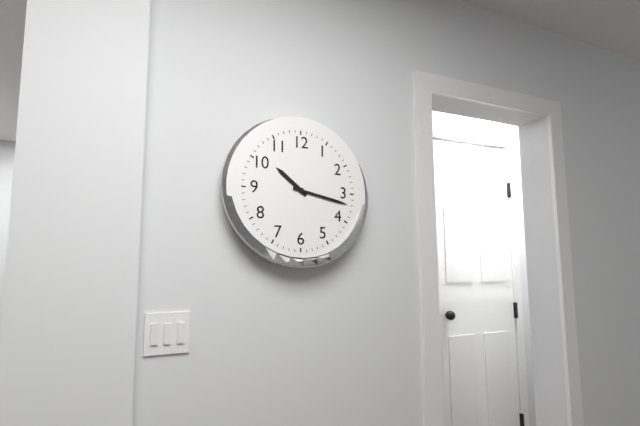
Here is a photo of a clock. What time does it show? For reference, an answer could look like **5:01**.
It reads **10:17**
